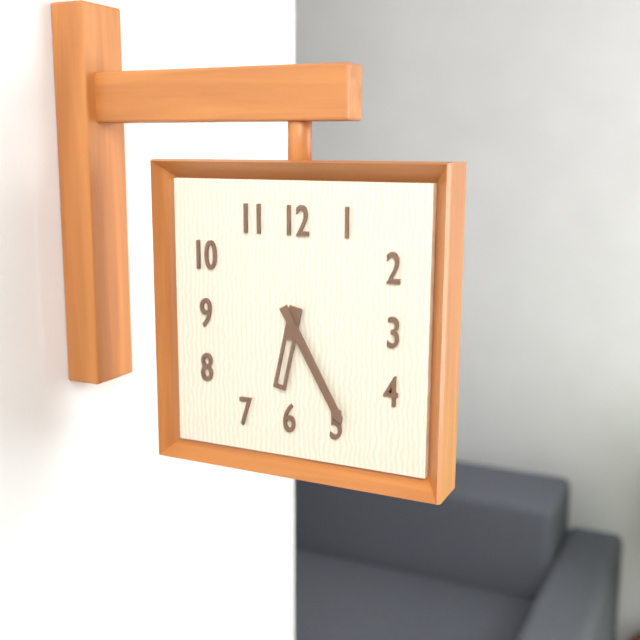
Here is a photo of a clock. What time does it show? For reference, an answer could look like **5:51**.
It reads **6:25**
